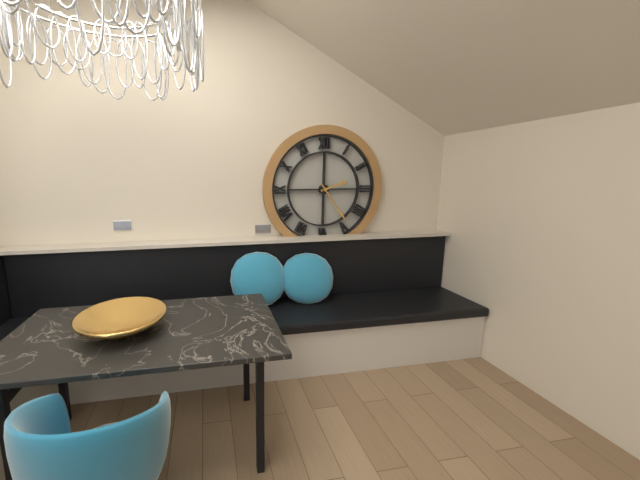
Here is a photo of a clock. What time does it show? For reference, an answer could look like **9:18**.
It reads **2:24**
